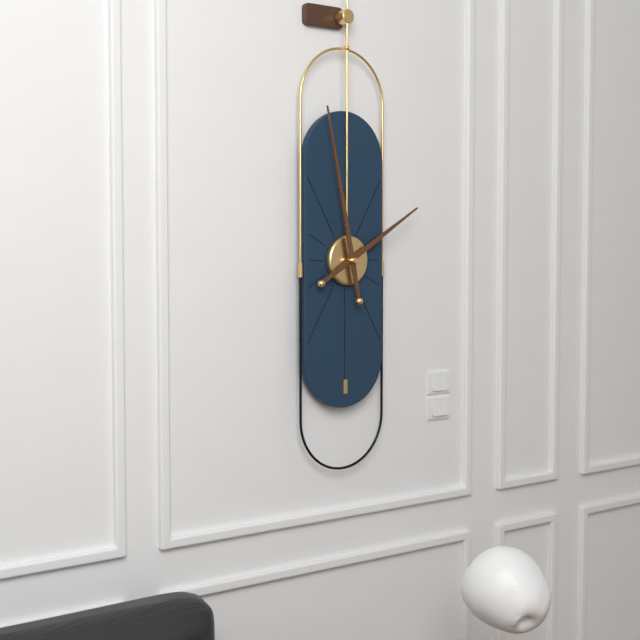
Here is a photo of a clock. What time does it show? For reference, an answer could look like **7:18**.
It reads **1:58**
